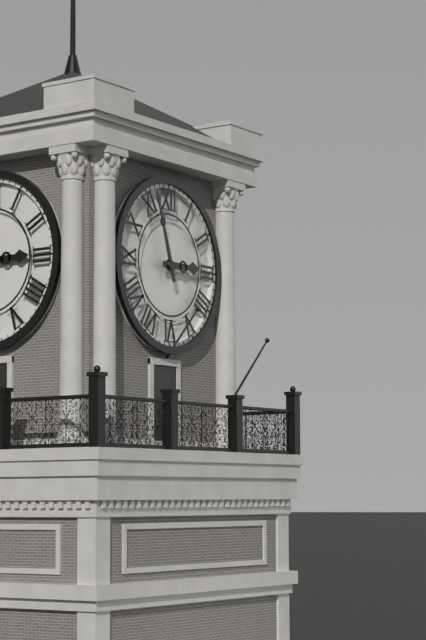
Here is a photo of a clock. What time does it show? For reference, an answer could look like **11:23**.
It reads **2:57**
